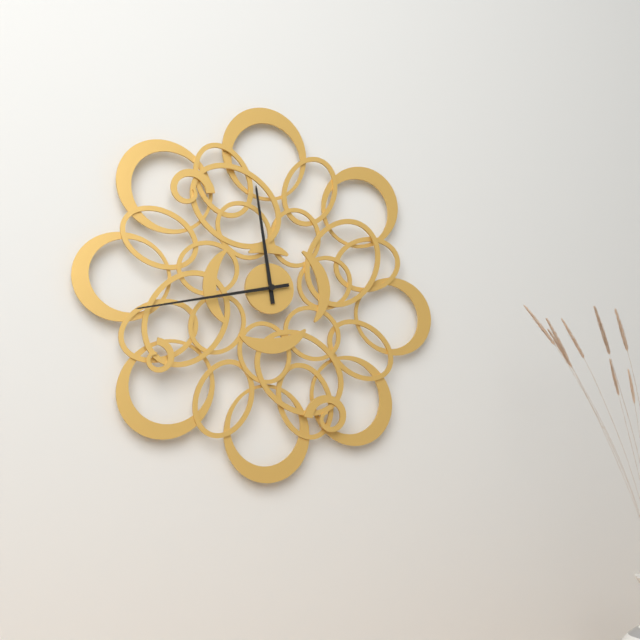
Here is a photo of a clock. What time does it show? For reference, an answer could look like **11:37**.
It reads **11:43**
